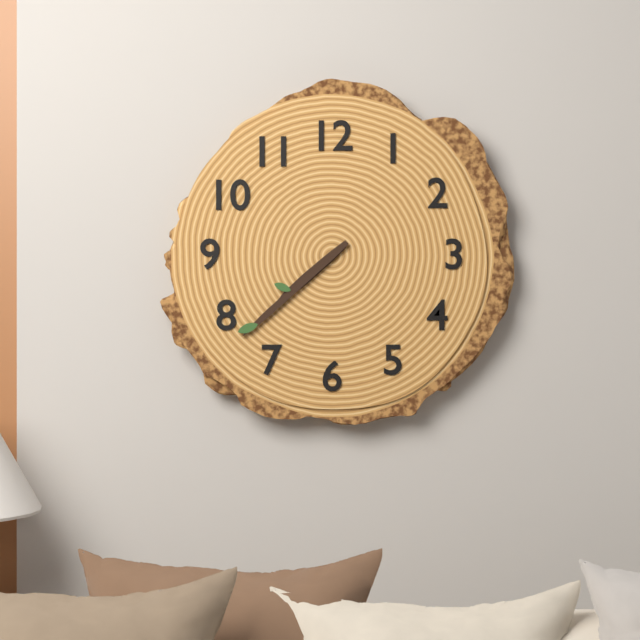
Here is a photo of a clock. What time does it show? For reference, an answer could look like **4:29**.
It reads **7:38**
